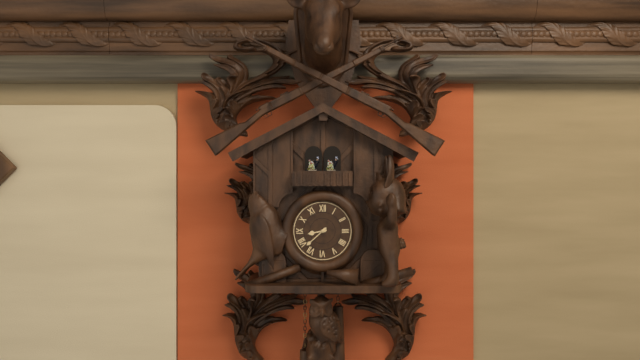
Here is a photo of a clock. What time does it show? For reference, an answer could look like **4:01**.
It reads **8:38**
